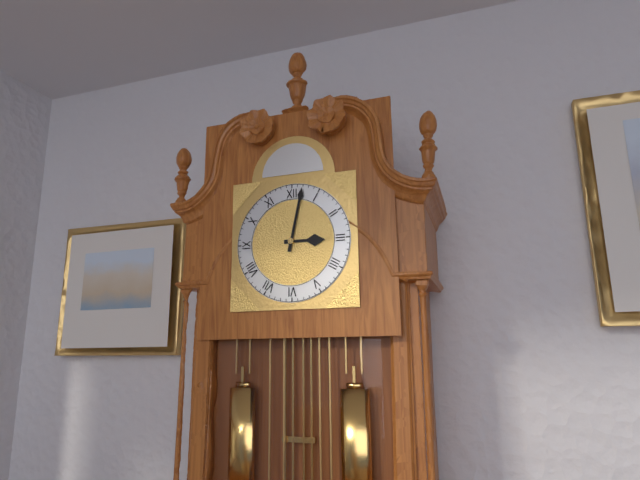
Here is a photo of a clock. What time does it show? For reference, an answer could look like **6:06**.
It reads **3:02**
